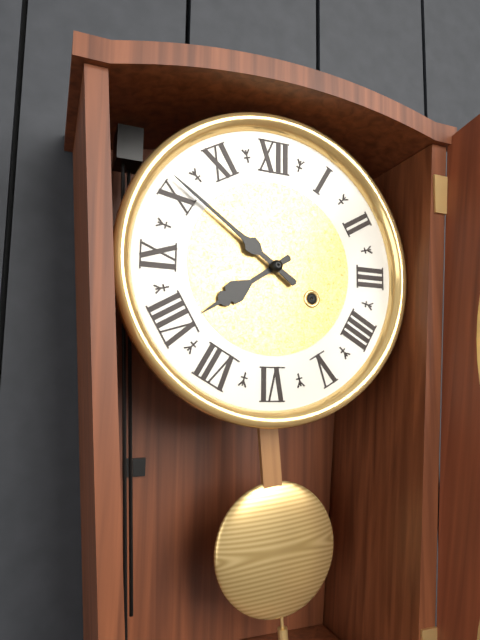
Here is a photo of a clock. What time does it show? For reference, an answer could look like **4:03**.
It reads **7:51**
